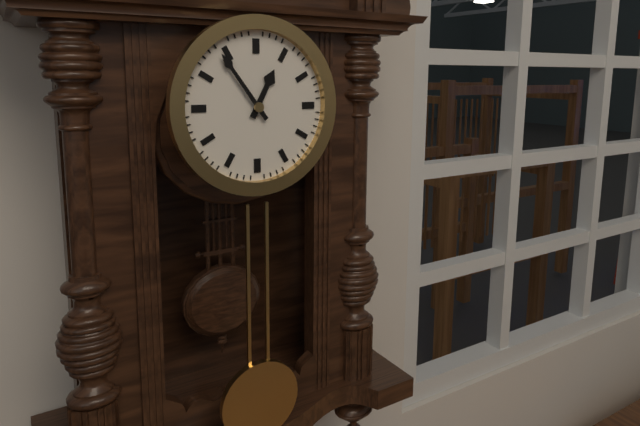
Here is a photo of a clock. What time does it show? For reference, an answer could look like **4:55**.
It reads **12:54**
